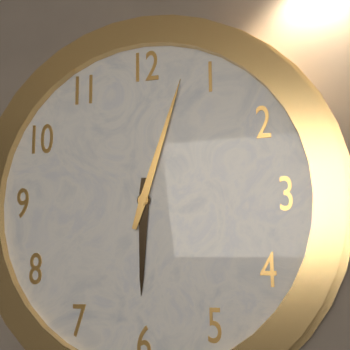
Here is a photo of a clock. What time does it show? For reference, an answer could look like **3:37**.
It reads **6:03**
